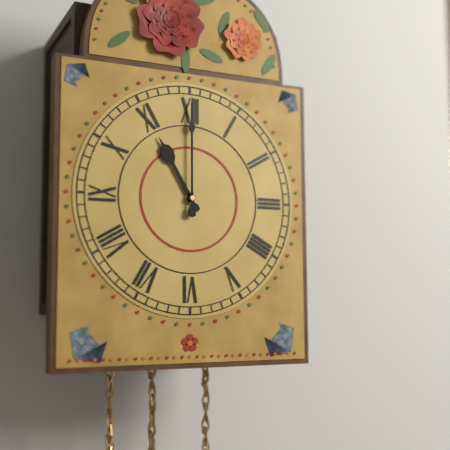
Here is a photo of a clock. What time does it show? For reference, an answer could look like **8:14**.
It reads **11:00**
